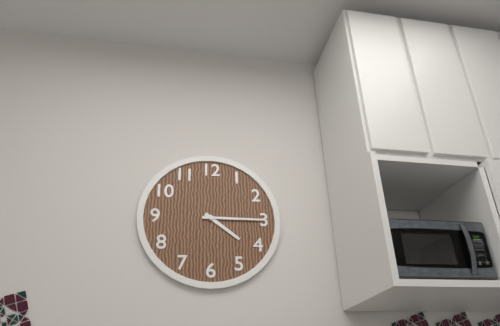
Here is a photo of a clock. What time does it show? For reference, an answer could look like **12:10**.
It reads **4:15**
